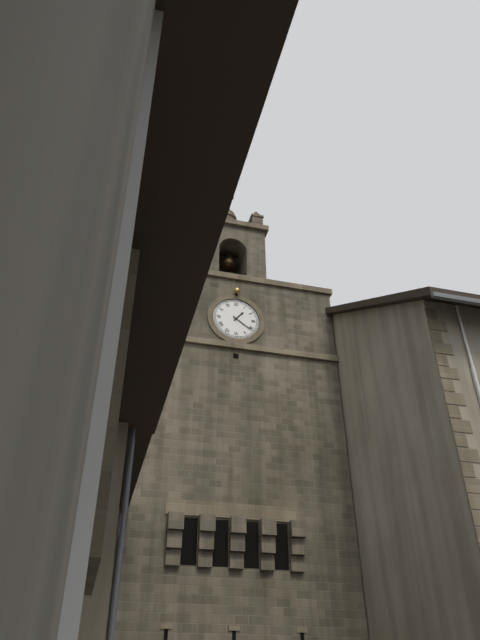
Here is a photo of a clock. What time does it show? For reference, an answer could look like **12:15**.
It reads **1:21**
